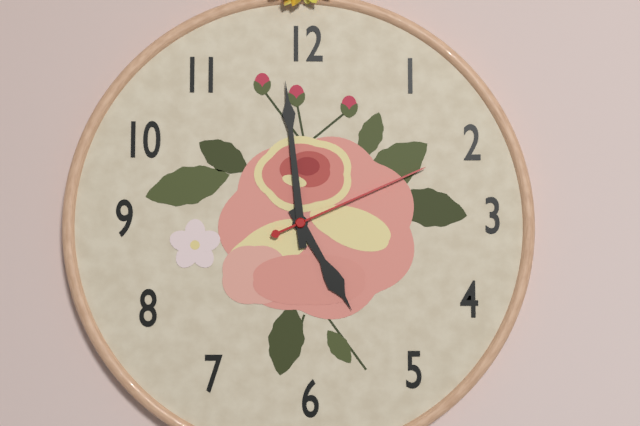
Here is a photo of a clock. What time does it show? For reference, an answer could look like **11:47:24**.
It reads **4:59:11**
